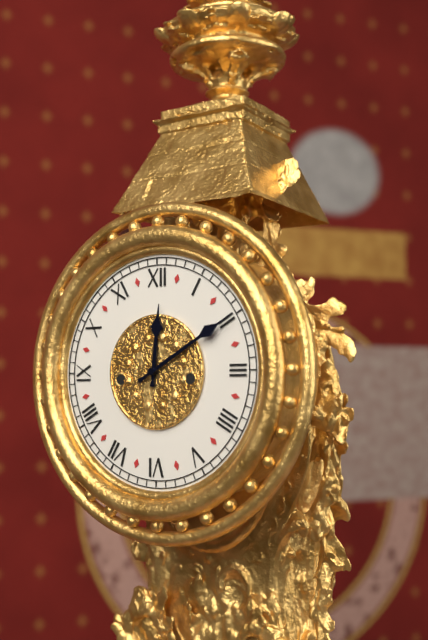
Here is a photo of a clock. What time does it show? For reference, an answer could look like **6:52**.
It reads **12:10**
